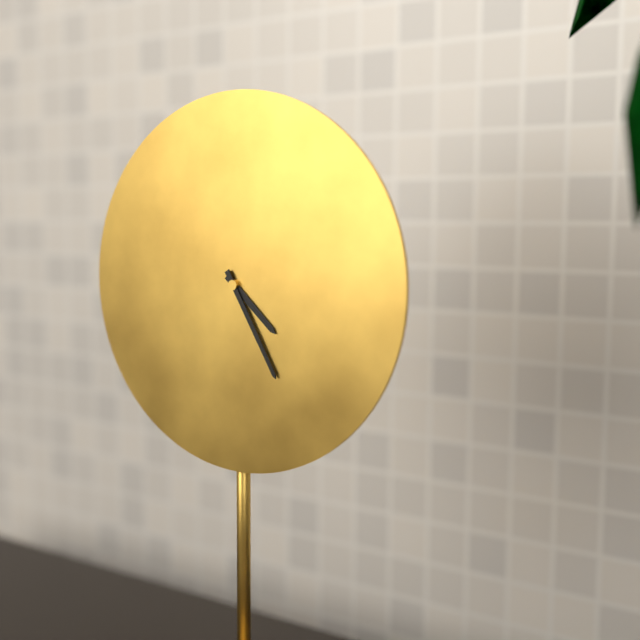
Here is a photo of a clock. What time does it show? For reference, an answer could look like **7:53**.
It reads **4:25**
